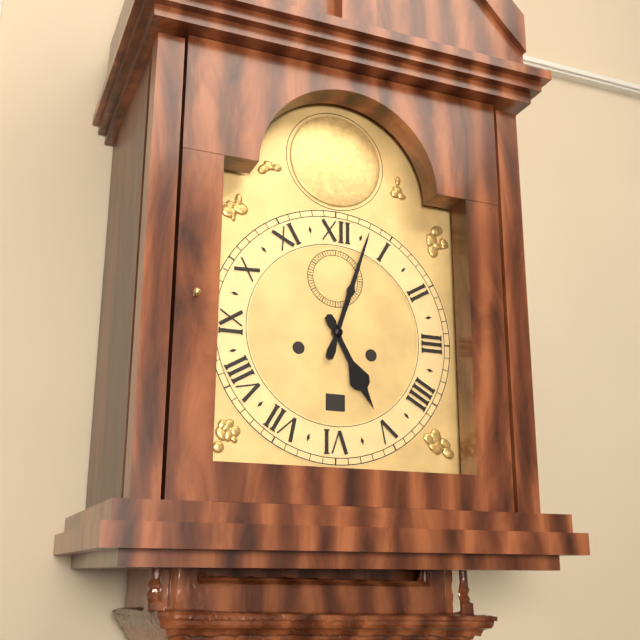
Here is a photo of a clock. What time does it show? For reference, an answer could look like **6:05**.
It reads **5:03**
